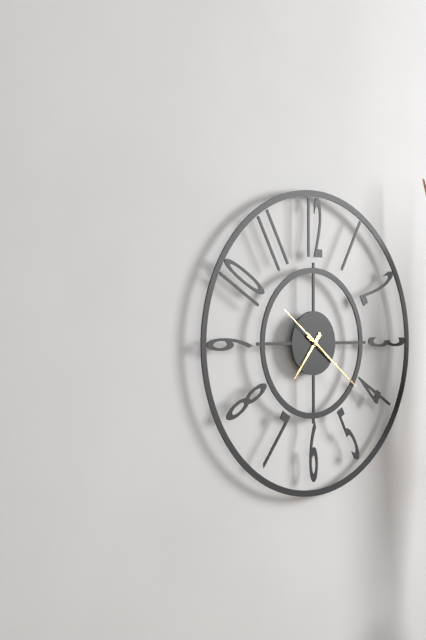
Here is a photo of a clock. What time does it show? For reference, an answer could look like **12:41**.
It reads **7:21**
